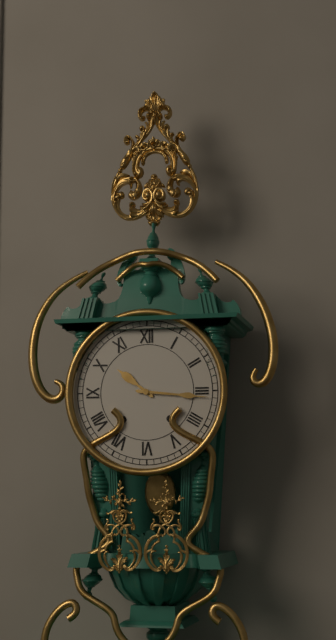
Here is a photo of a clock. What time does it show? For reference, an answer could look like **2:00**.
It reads **10:16**
